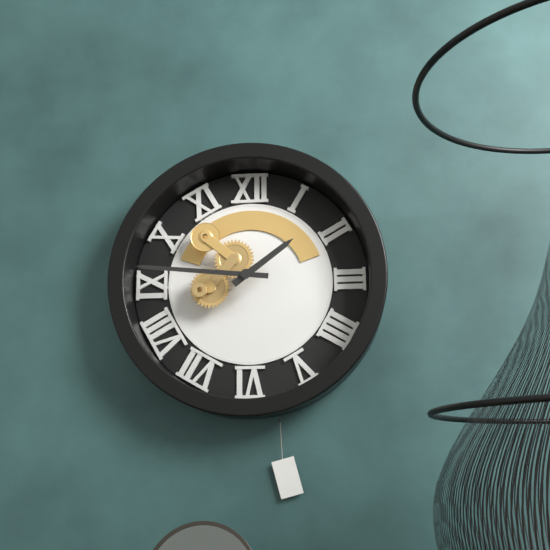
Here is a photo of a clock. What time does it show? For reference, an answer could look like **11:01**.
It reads **1:46**
